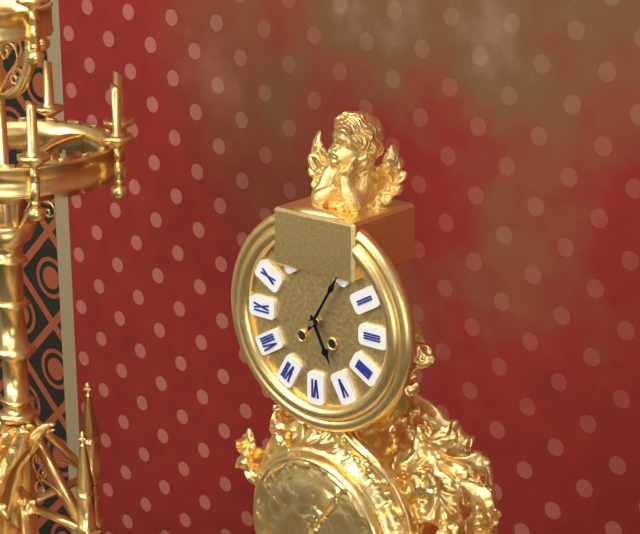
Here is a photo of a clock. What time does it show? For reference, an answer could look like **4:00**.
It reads **5:05**
